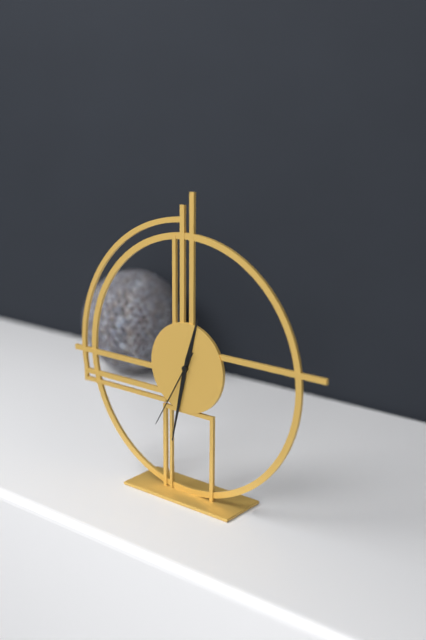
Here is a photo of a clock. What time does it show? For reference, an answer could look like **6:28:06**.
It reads **12:32:35**
